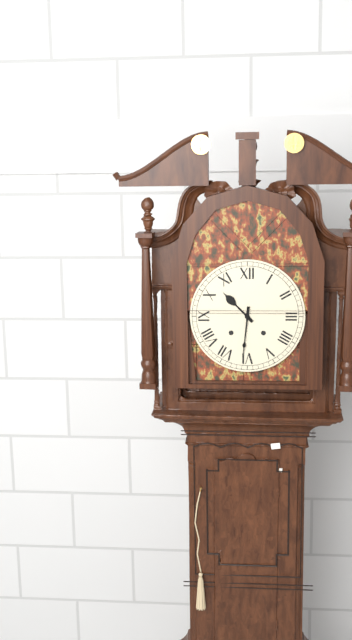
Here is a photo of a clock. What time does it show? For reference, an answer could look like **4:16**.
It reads **10:31**
